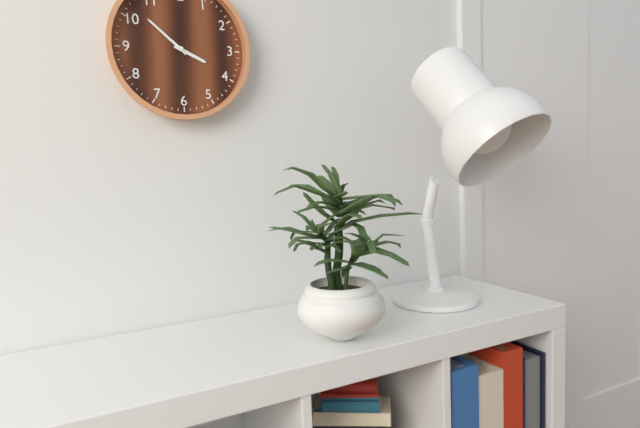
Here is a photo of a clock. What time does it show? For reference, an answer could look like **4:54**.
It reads **3:52**
